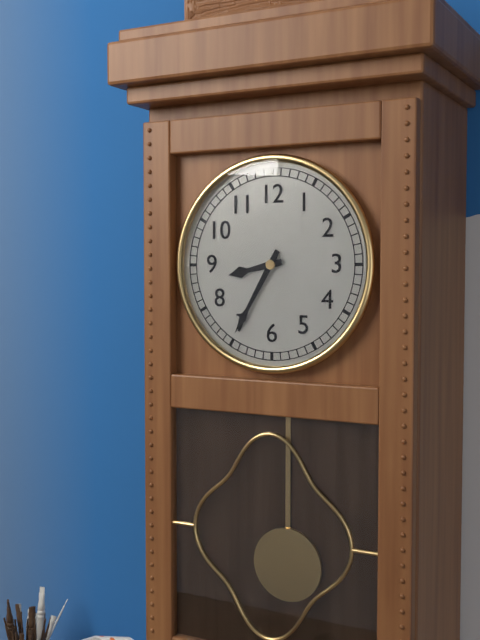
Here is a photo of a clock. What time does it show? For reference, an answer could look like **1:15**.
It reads **8:35**
